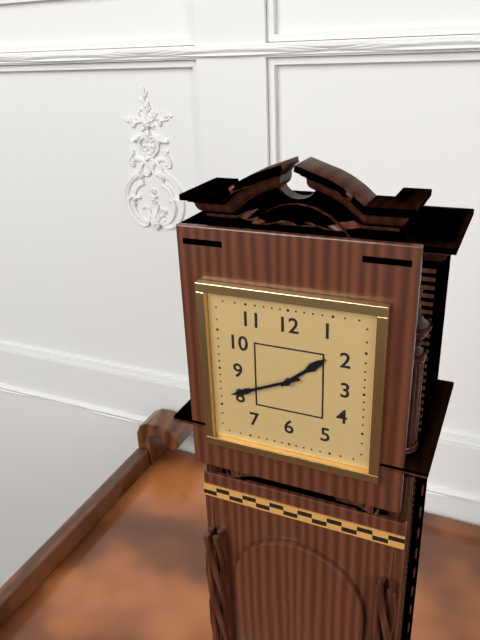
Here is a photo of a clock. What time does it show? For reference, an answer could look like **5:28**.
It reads **1:41**
